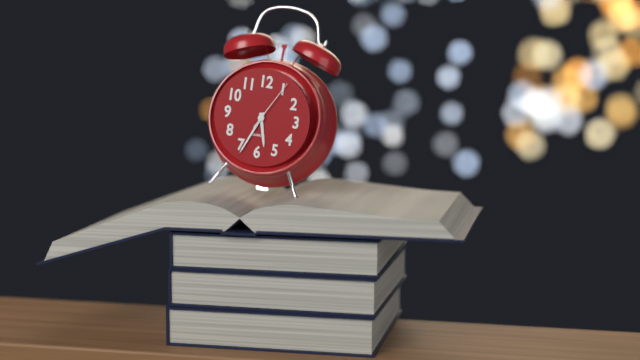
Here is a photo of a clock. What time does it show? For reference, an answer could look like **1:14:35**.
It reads **5:34:05**
